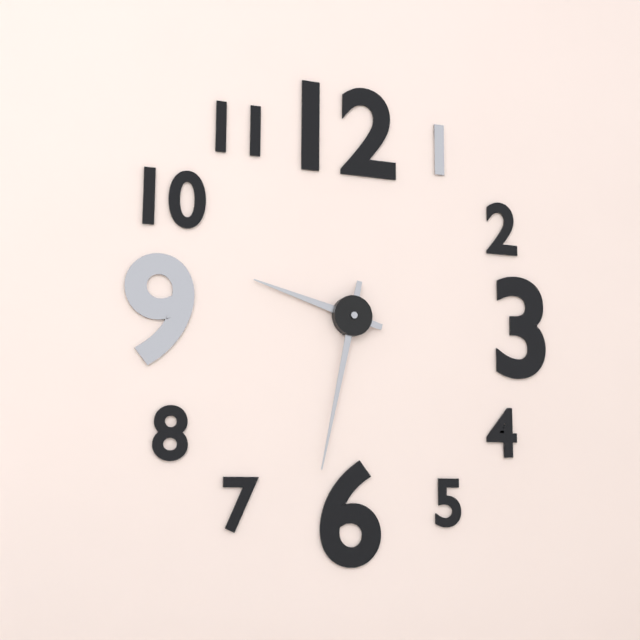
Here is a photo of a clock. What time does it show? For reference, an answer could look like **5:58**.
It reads **9:32**
